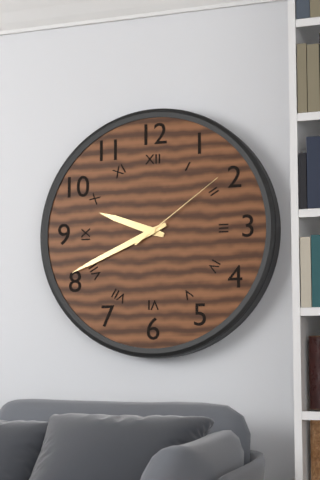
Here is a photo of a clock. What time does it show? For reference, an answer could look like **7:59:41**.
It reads **9:41:09**
